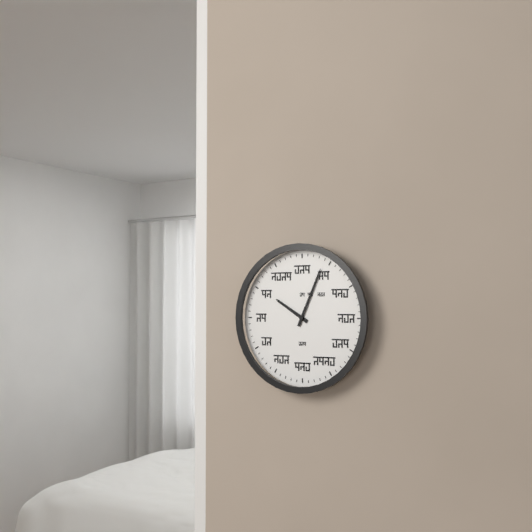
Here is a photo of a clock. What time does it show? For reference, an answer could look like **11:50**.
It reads **10:04**
